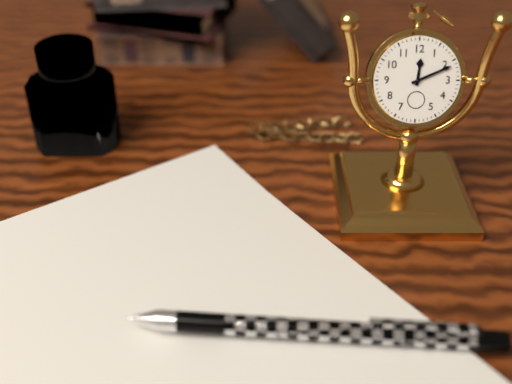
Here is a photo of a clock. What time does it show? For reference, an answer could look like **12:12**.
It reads **12:11**
